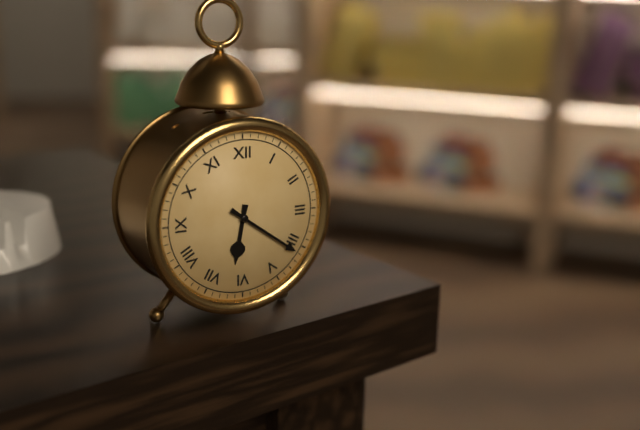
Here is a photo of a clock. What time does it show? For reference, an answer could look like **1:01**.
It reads **6:21**
